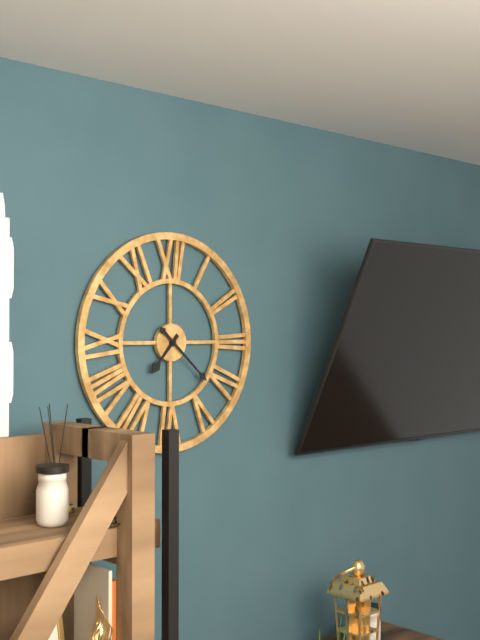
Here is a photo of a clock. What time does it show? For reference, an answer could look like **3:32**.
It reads **7:22**
